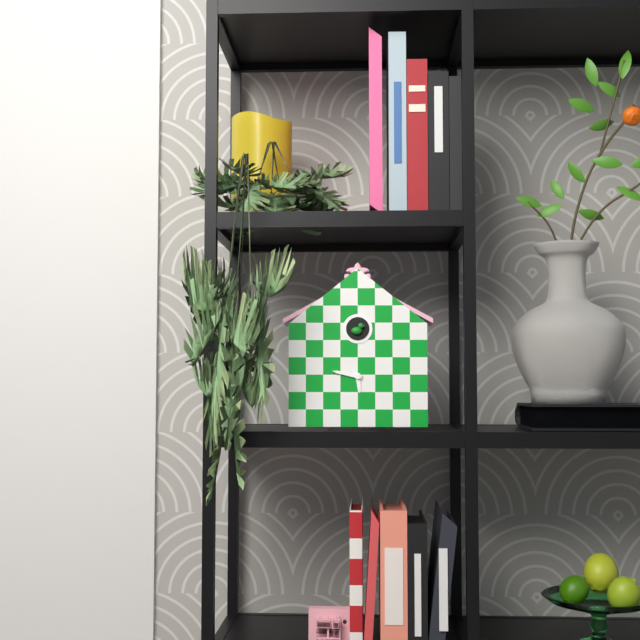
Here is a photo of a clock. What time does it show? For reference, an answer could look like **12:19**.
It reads **5:47**
